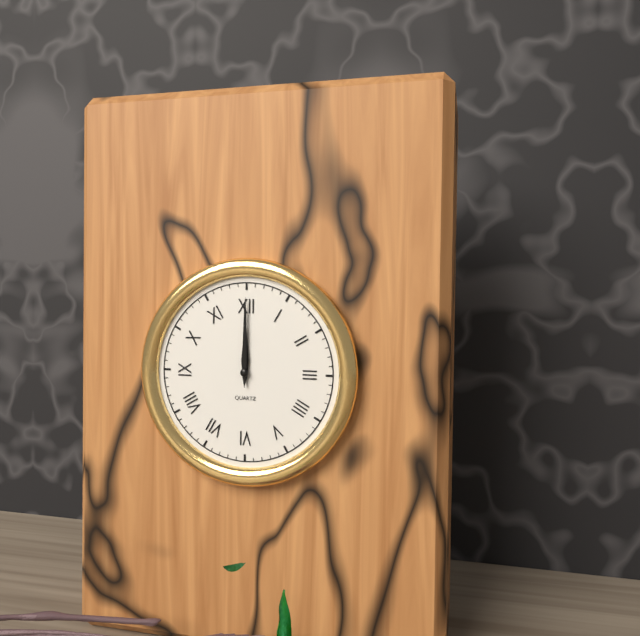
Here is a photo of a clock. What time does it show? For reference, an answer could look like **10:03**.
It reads **12:00**
